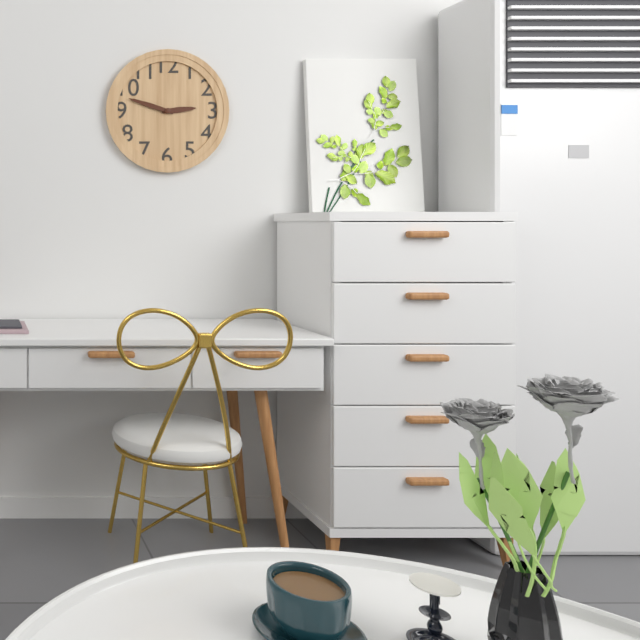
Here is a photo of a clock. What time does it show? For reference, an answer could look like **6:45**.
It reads **2:48**
